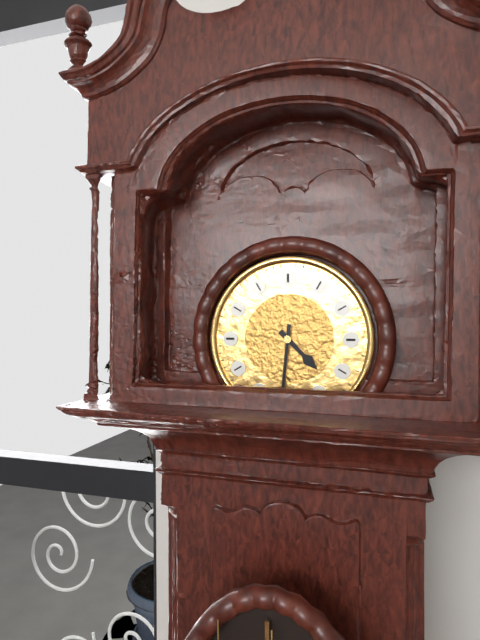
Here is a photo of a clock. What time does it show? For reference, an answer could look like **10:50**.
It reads **4:31**
